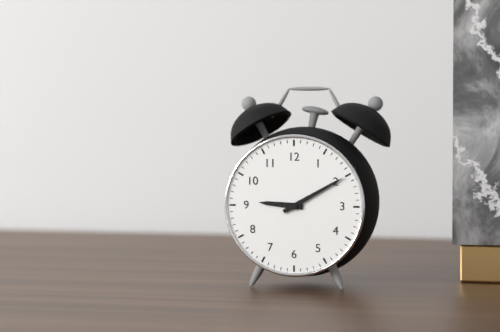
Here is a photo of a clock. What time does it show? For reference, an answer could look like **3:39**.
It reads **9:10**
